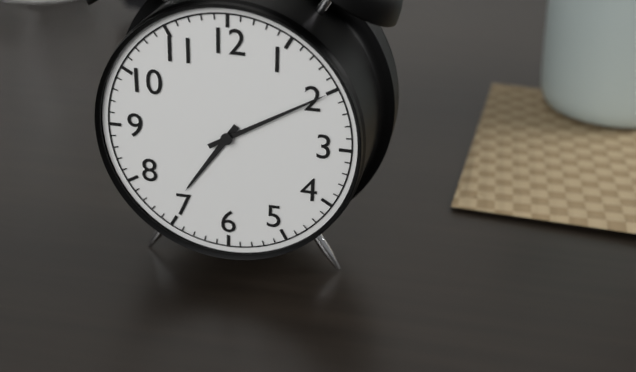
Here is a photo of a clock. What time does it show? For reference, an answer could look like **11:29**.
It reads **7:10**
